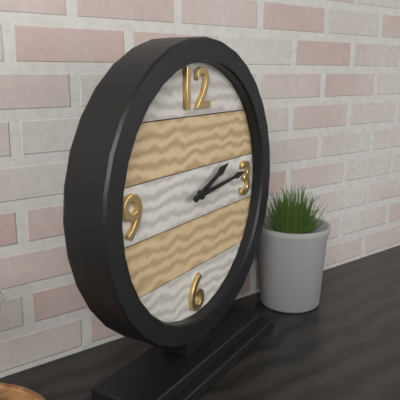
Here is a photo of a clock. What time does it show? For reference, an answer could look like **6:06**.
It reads **2:14**
